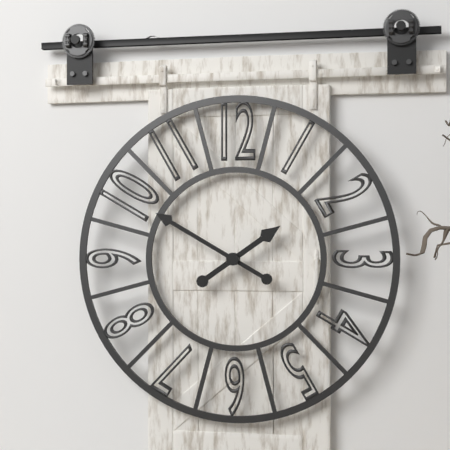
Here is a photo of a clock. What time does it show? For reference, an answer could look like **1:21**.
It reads **1:50**
